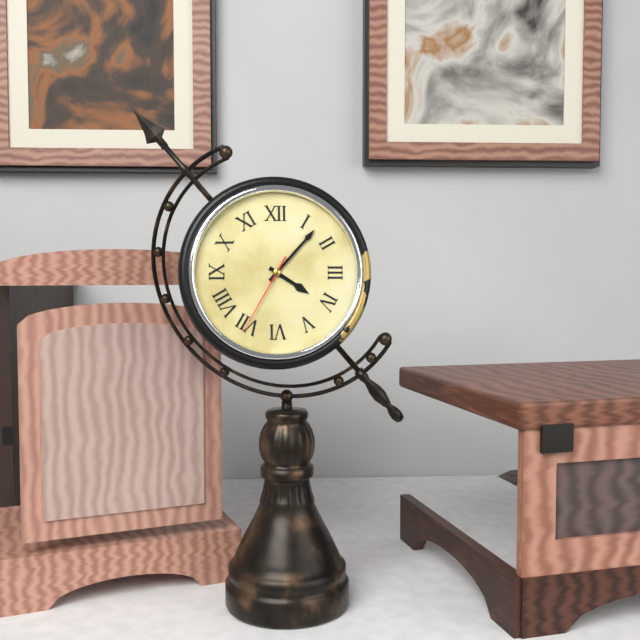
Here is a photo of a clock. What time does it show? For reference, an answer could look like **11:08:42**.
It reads **4:07:35**
